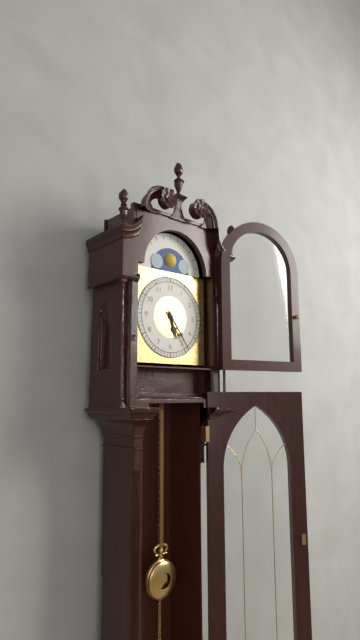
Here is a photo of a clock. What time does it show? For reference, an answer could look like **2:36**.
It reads **5:24**
